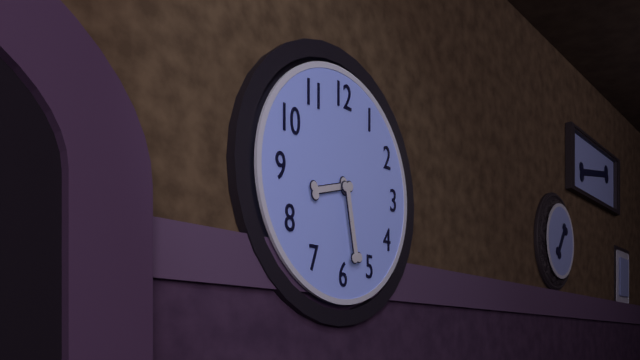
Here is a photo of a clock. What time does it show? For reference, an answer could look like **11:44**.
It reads **8:28**
